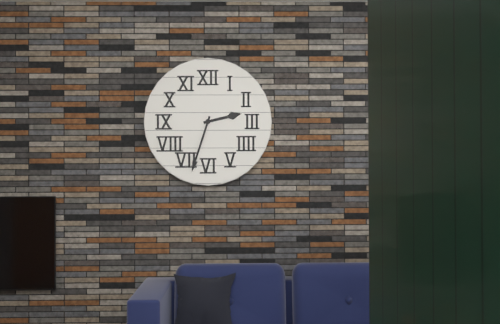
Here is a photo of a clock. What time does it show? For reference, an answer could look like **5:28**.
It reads **2:33**
